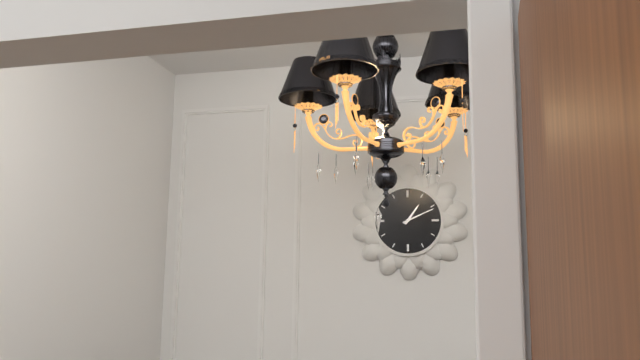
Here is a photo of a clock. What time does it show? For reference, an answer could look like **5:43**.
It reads **1:11**
